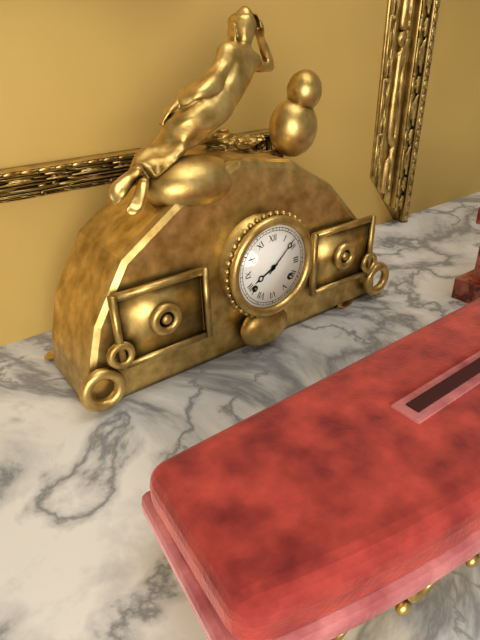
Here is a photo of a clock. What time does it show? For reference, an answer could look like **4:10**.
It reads **8:08**
